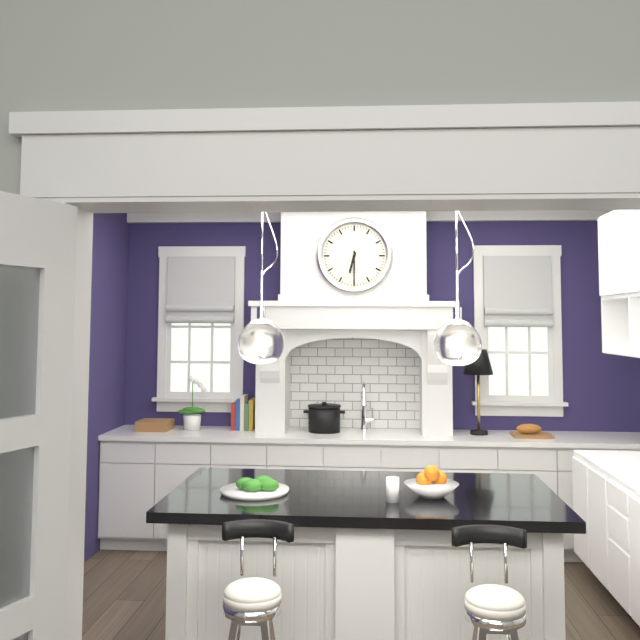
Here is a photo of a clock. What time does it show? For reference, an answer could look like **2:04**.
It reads **6:30**
